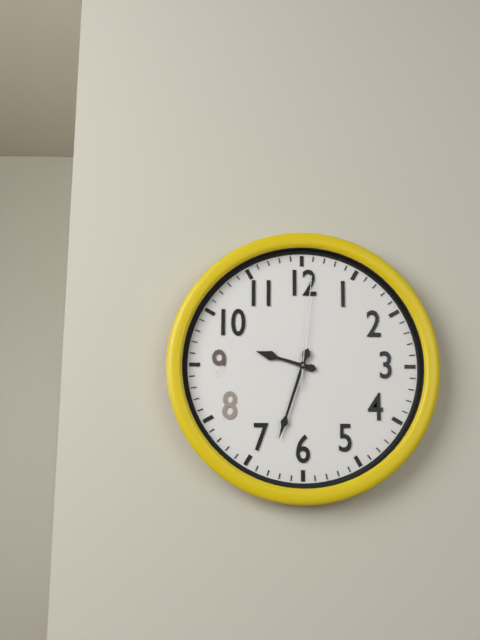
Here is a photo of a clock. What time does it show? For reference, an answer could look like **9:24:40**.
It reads **9:33:01**
